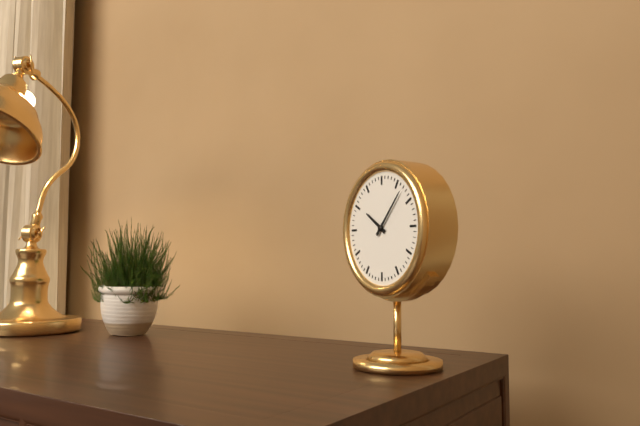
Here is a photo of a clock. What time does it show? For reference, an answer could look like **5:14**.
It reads **10:07**
